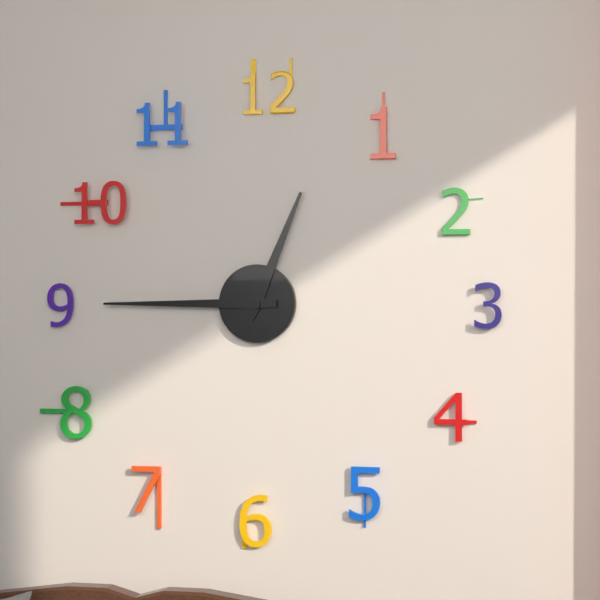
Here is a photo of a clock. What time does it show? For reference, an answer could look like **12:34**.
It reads **12:45**
